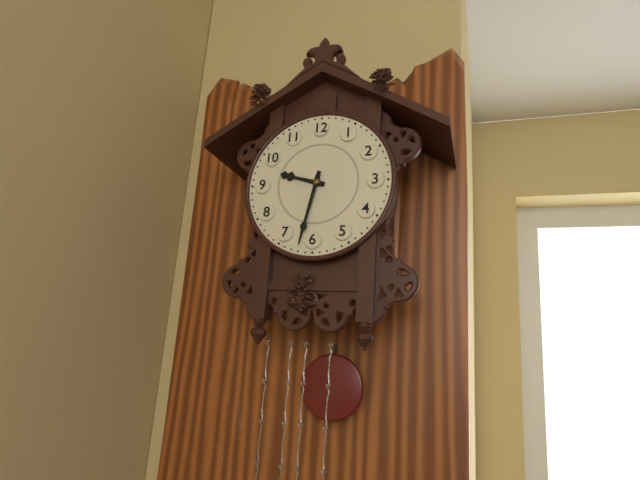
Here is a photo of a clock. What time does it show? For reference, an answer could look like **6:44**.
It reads **9:32**
